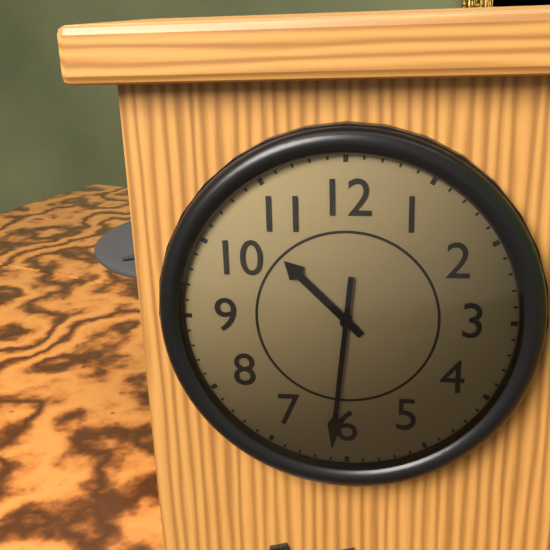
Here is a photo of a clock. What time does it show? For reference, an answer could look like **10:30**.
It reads **10:31**
